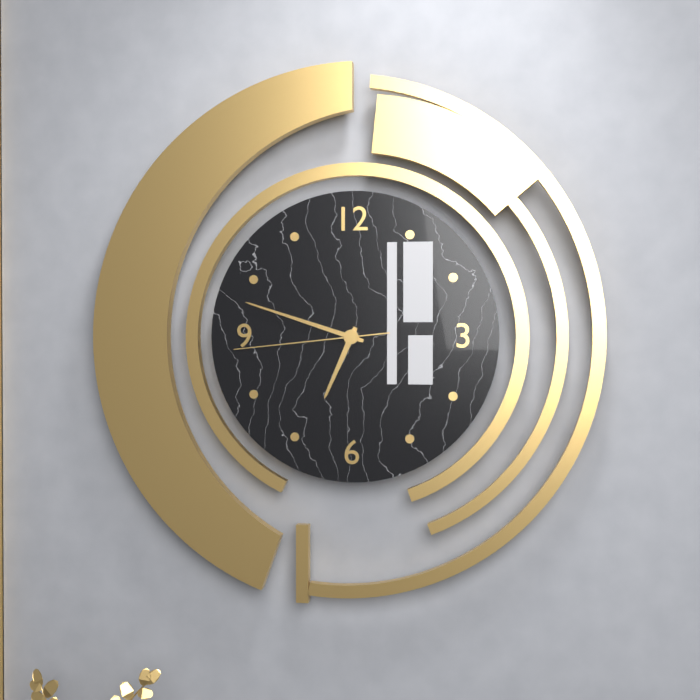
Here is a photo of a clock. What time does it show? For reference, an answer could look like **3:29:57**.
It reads **6:48:44**
